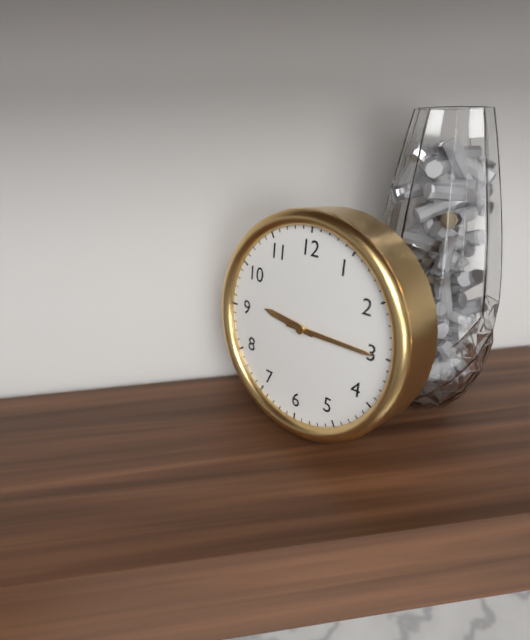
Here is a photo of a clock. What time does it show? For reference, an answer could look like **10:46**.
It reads **9:15**
